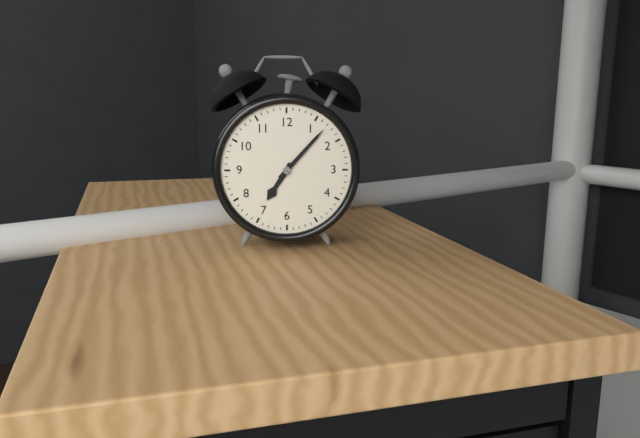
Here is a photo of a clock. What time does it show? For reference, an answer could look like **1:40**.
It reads **7:07**
